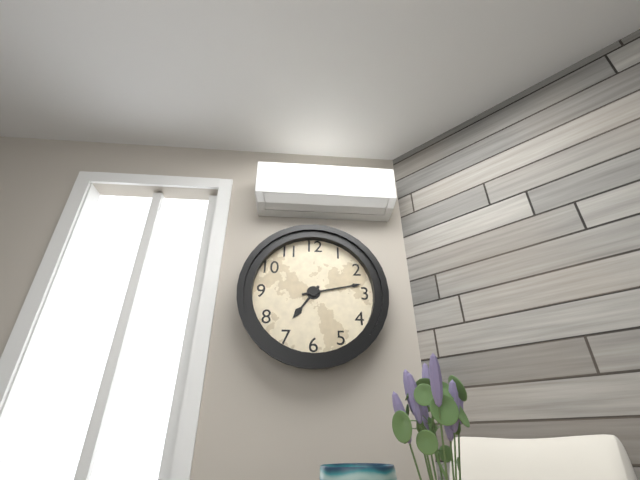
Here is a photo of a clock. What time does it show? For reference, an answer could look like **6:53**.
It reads **7:13**
